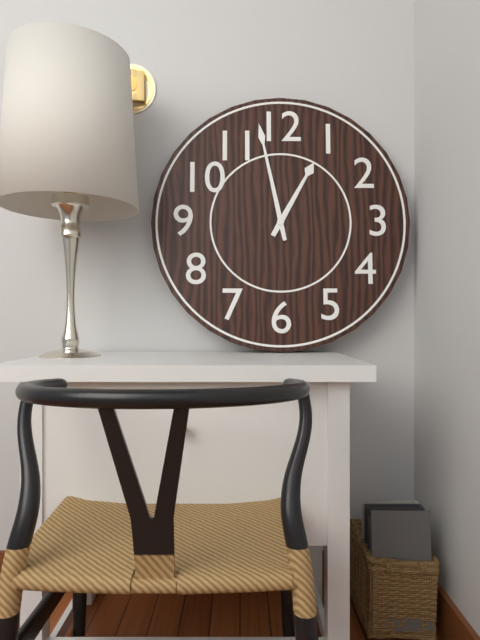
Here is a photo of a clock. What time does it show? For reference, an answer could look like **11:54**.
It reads **12:58**
